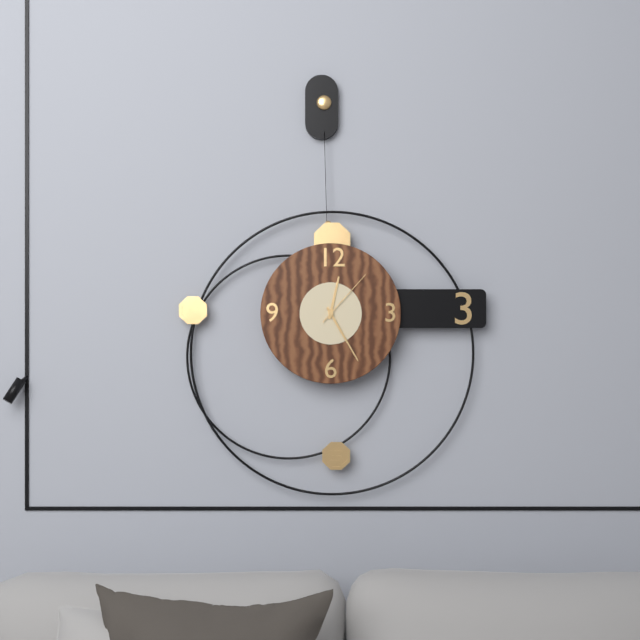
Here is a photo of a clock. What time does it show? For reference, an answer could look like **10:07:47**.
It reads **12:25:07**
